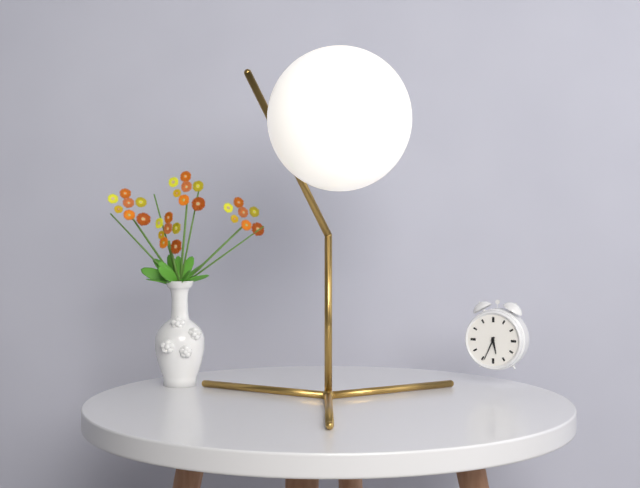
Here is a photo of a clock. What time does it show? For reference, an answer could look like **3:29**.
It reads **5:34**
